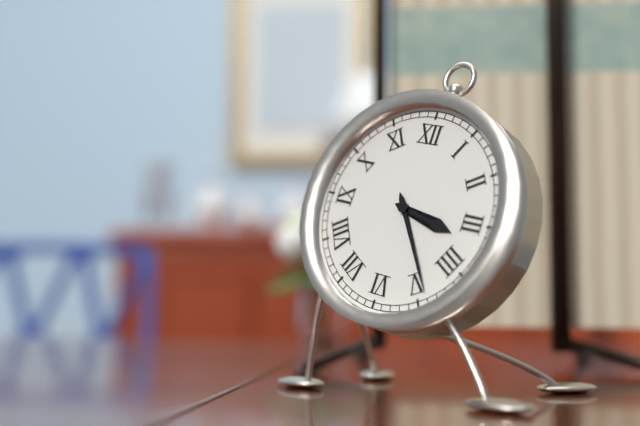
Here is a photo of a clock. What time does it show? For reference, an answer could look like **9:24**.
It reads **3:24**
